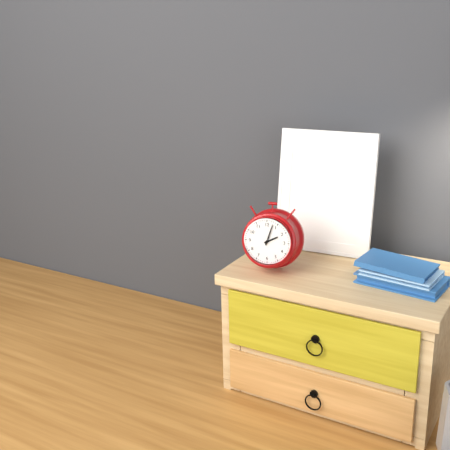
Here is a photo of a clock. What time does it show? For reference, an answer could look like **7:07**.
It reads **2:03**
